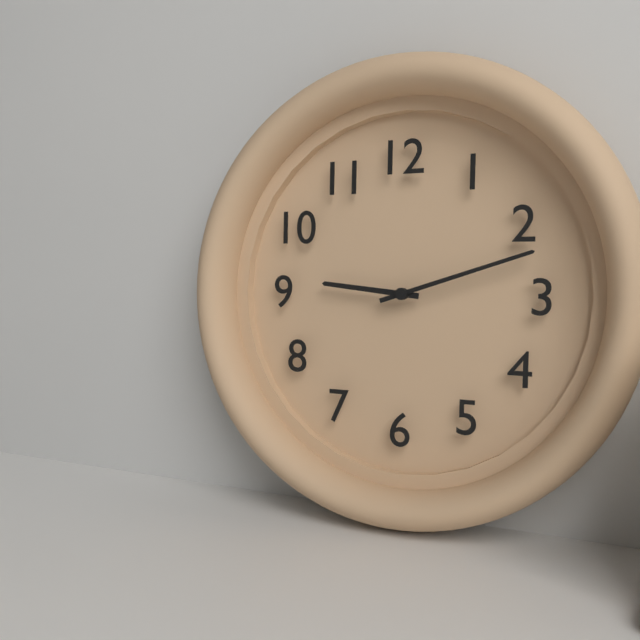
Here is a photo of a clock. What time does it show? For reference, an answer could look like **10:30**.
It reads **9:12**
